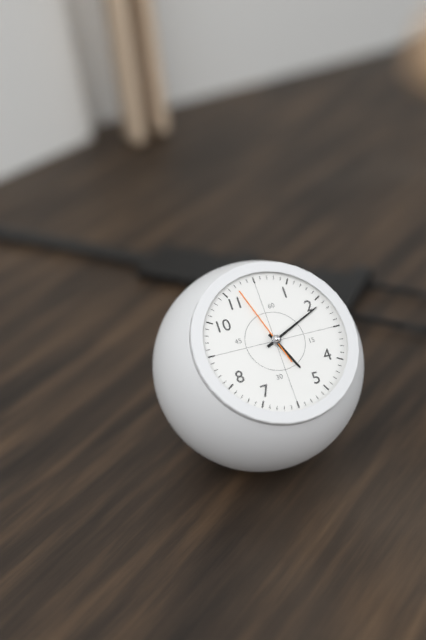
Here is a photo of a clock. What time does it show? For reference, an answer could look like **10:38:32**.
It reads **5:11:57**
